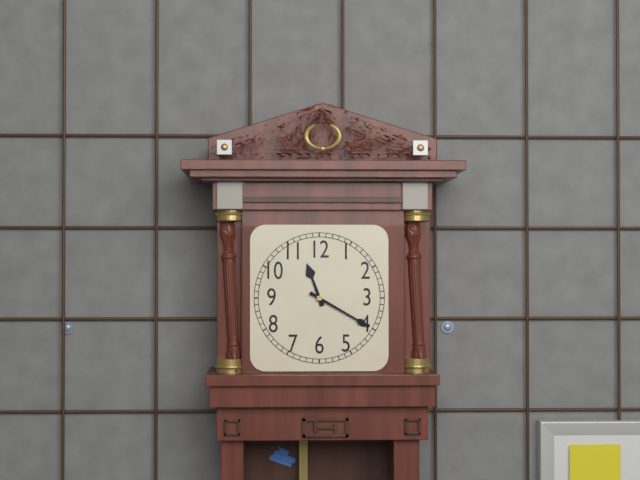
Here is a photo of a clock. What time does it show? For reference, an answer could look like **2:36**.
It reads **11:20**
